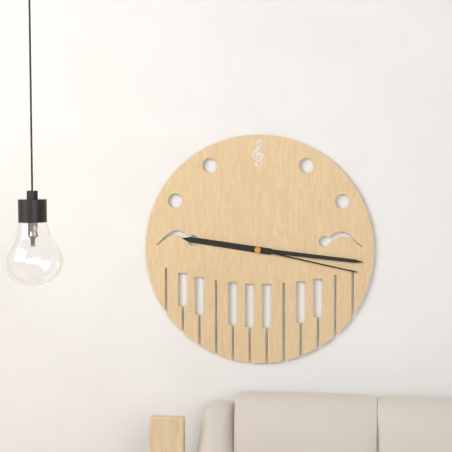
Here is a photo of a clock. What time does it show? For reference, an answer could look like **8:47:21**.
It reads **9:16:17**
